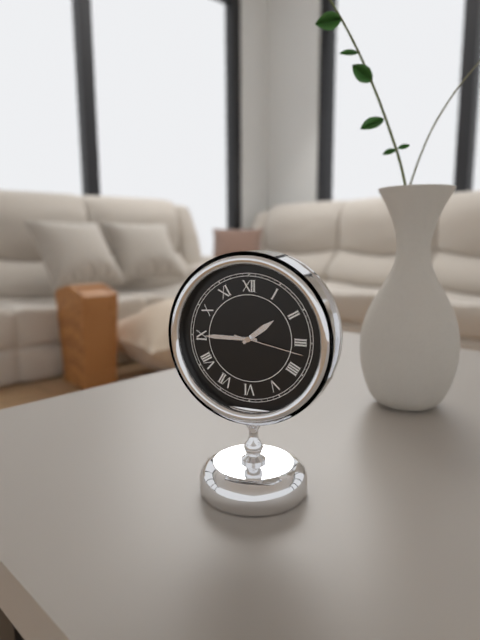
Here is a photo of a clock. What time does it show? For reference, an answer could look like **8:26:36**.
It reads **1:45:17**
